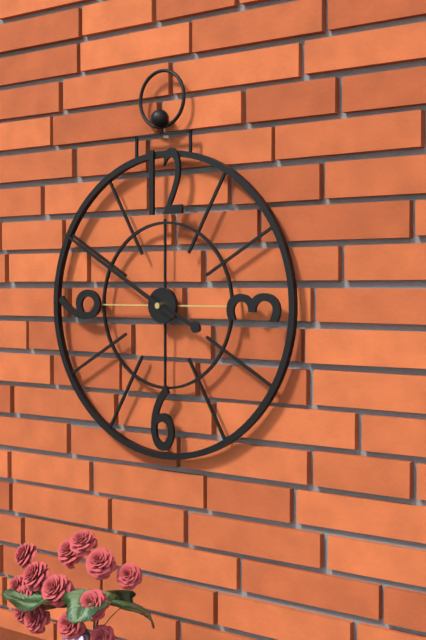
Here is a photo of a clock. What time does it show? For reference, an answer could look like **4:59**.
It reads **3:50**
